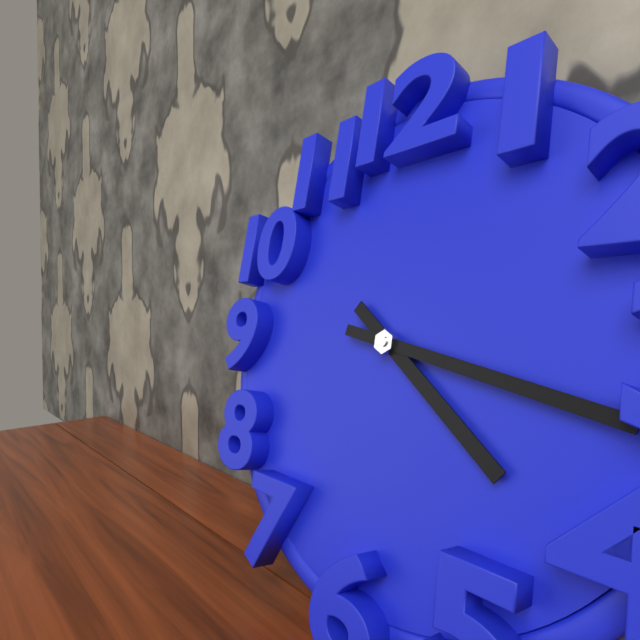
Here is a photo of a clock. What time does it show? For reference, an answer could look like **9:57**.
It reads **4:17**
